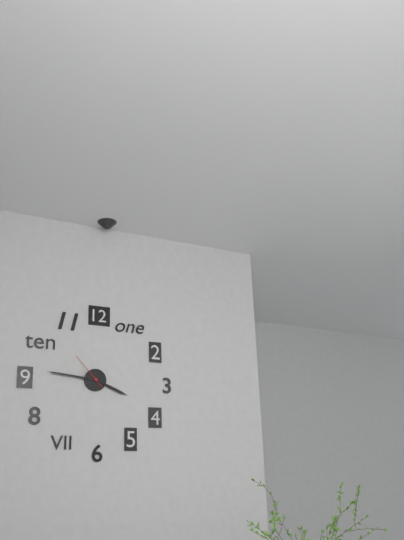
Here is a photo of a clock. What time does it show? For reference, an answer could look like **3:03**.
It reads **3:46**
